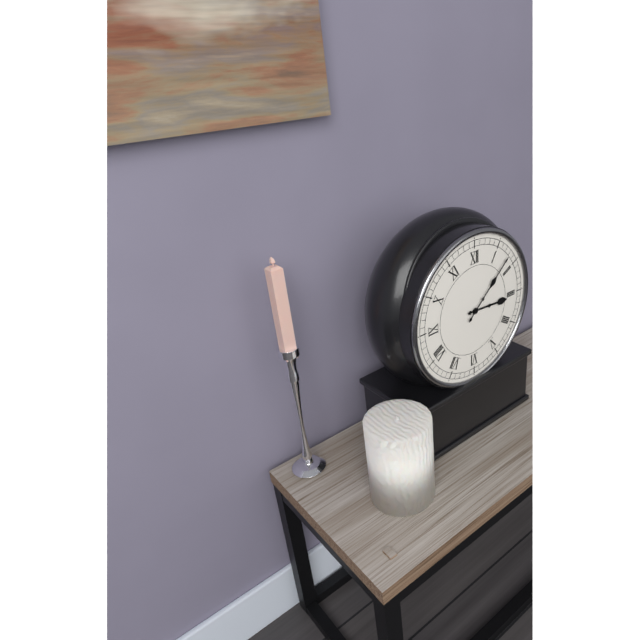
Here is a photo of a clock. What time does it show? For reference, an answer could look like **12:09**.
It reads **3:08**
